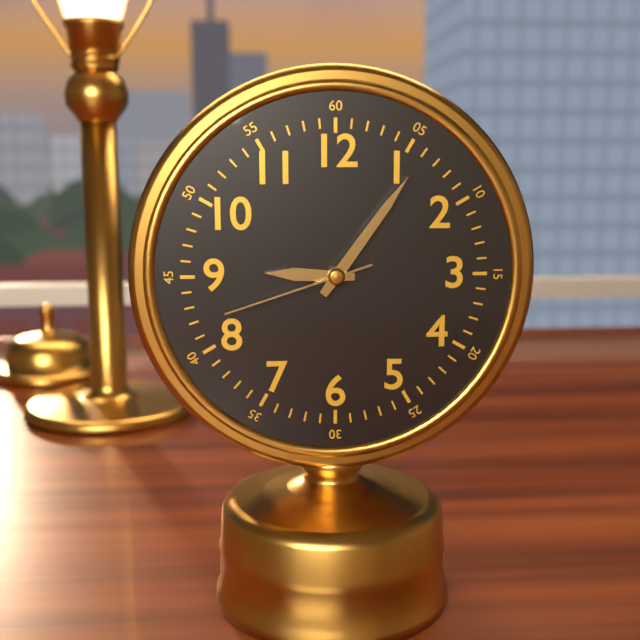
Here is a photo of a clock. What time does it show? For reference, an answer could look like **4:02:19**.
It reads **9:06:42**
